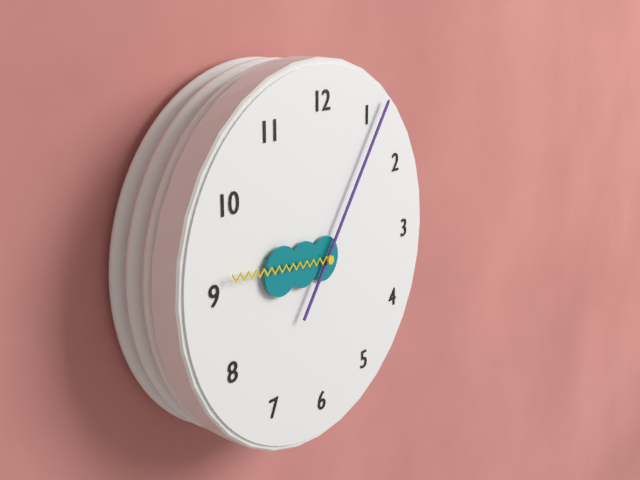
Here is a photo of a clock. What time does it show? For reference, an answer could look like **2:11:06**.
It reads **9:06:46**
